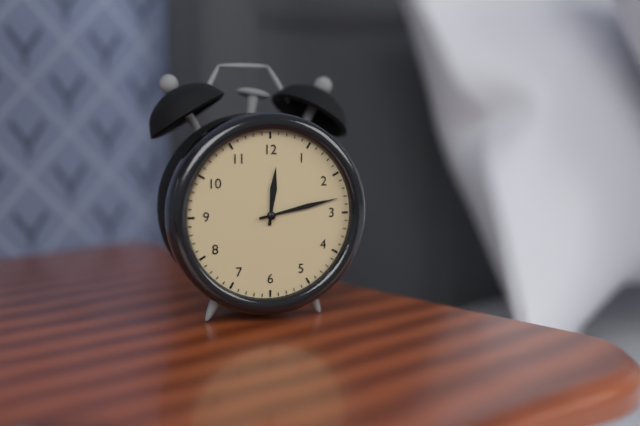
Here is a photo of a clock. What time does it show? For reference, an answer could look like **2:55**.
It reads **12:13**
